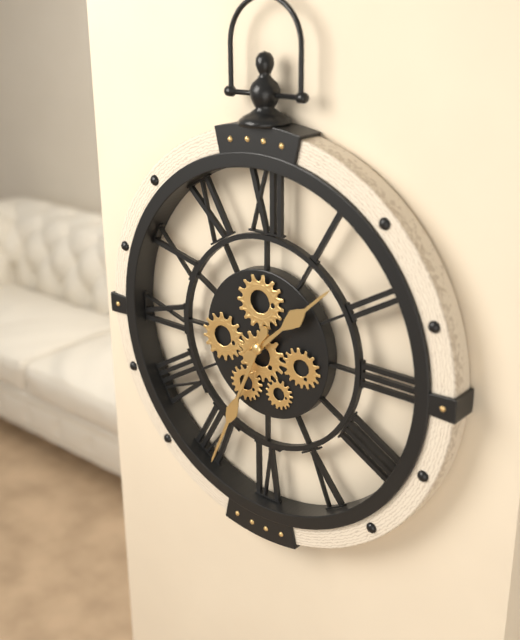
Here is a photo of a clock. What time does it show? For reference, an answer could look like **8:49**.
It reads **1:34**
